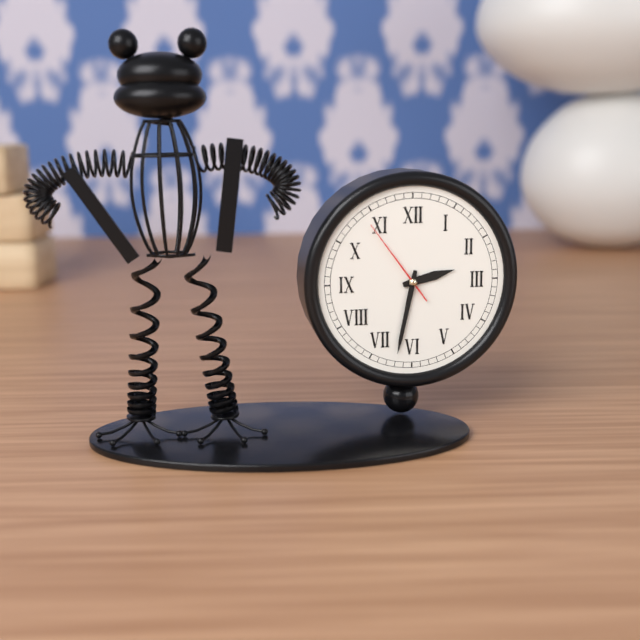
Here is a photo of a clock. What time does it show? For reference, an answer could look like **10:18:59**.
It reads **2:32:54**
